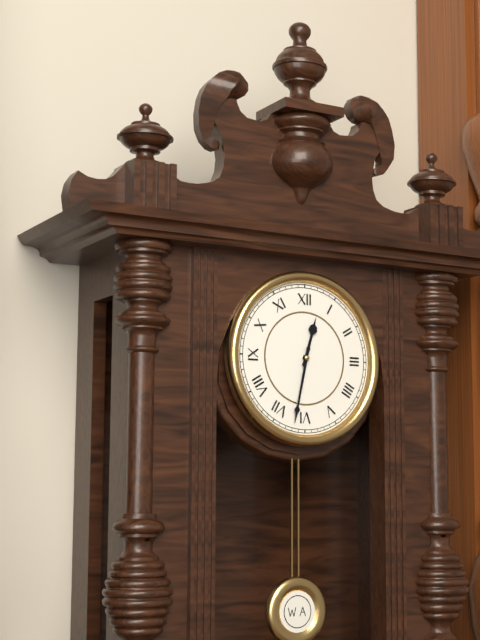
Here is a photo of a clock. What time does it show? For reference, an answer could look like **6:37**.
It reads **12:32**
